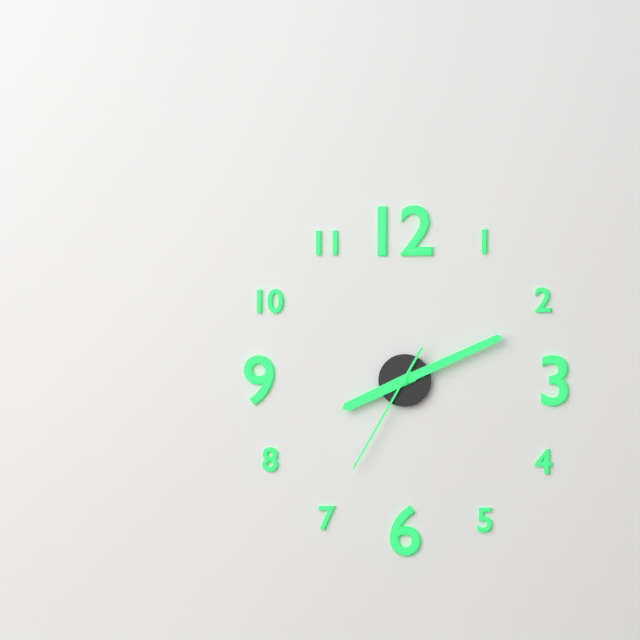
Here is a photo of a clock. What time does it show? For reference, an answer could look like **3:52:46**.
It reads **8:11:35**
